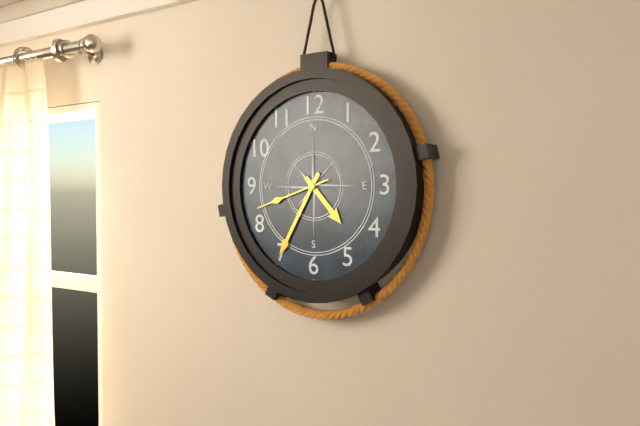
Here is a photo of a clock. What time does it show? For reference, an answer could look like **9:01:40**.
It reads **4:35:42**
